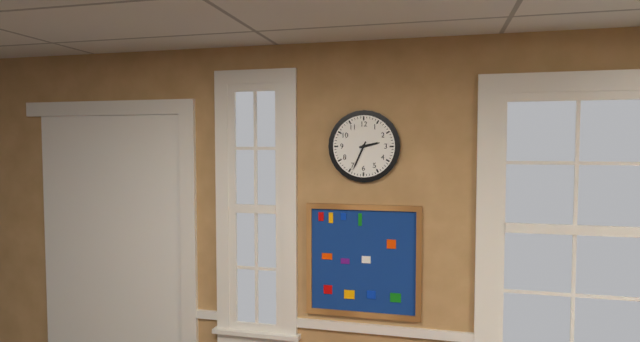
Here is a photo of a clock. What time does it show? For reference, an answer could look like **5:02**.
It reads **2:34**
